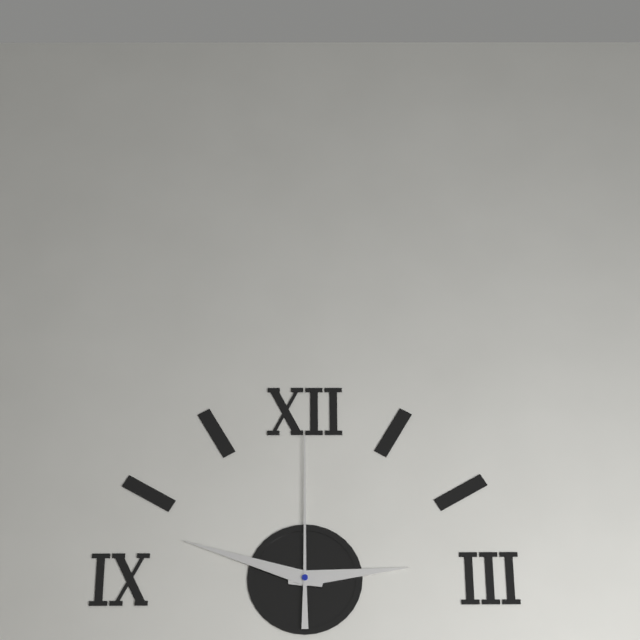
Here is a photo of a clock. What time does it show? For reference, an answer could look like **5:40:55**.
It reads **2:48:00**
